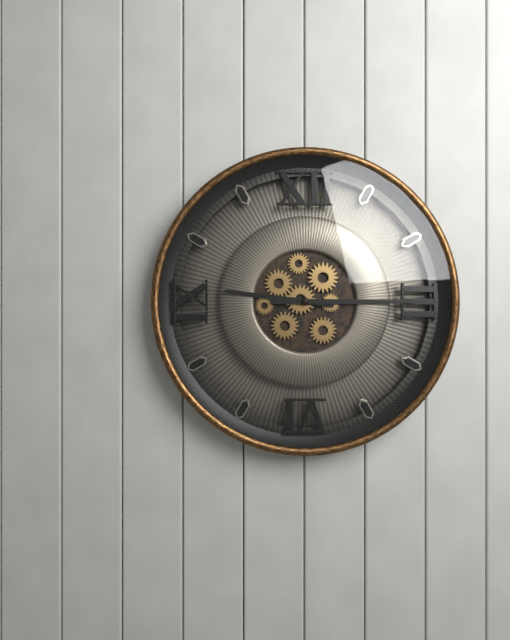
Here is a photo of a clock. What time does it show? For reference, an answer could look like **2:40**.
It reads **9:15**
